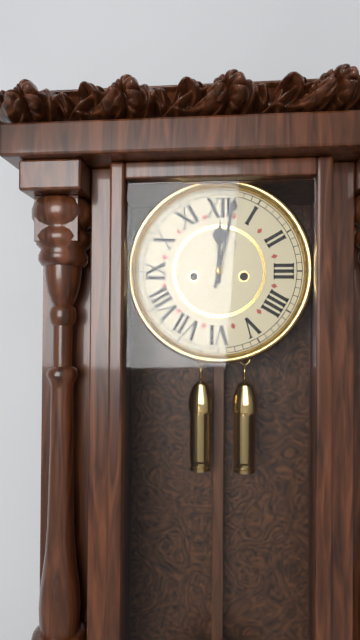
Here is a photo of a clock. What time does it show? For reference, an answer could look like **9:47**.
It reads **12:02**
